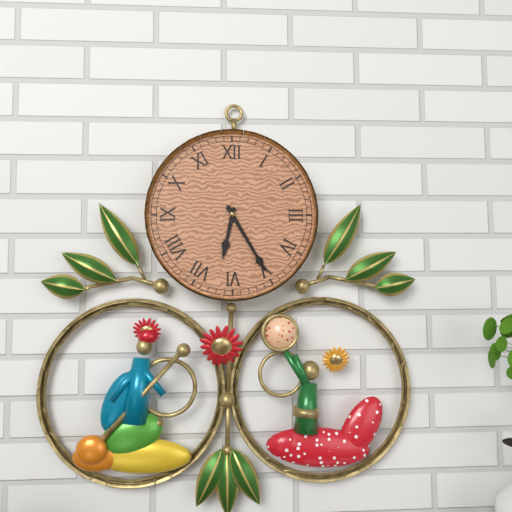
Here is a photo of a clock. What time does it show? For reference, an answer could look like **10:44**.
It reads **6:25**
